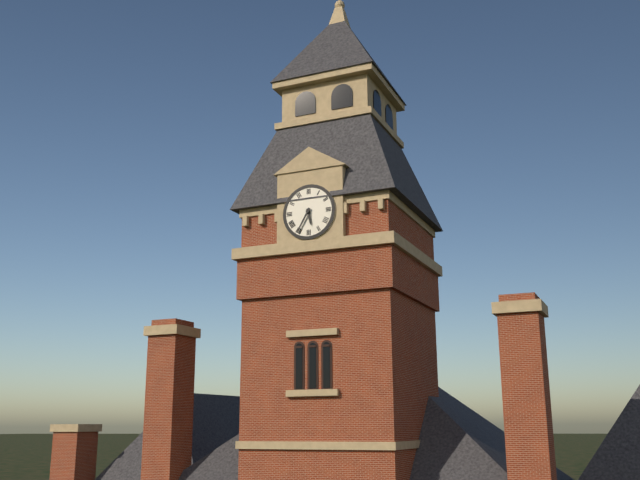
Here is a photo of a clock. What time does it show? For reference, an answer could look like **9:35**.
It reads **5:35**
